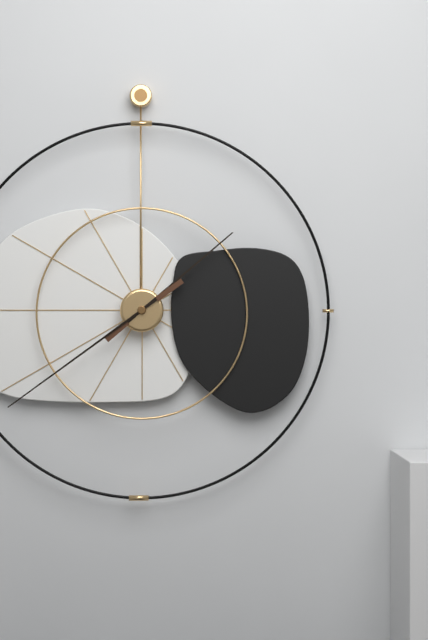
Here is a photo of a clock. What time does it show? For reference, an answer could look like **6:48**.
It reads **1:39**
